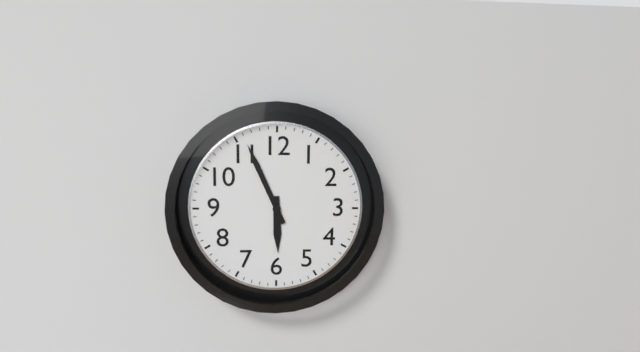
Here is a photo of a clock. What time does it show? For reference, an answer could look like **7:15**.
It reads **5:56**
